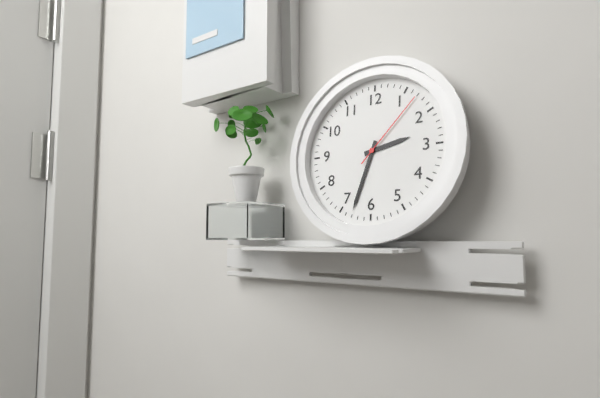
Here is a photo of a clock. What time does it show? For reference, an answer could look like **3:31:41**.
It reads **2:33:07**
